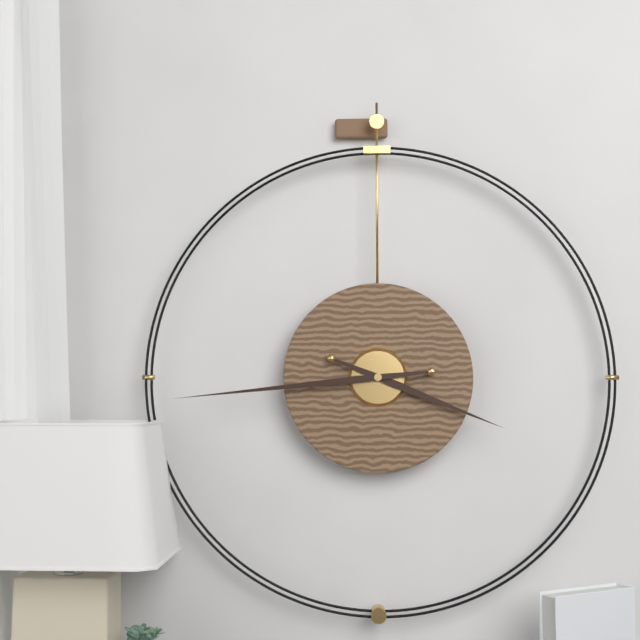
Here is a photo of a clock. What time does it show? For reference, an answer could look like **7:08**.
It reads **3:44**
